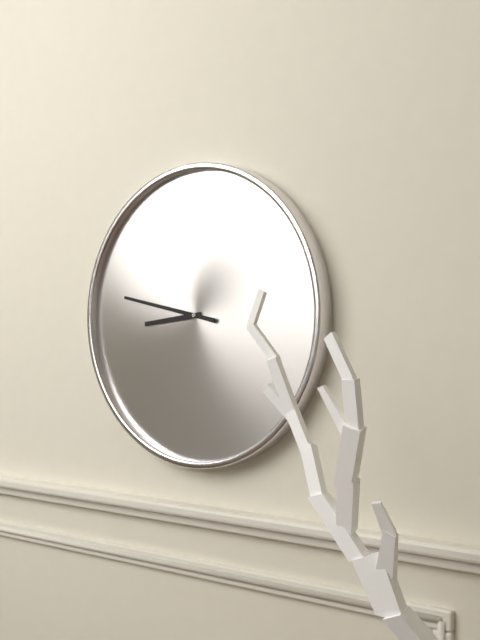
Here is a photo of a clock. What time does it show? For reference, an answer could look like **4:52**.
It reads **8:47**
